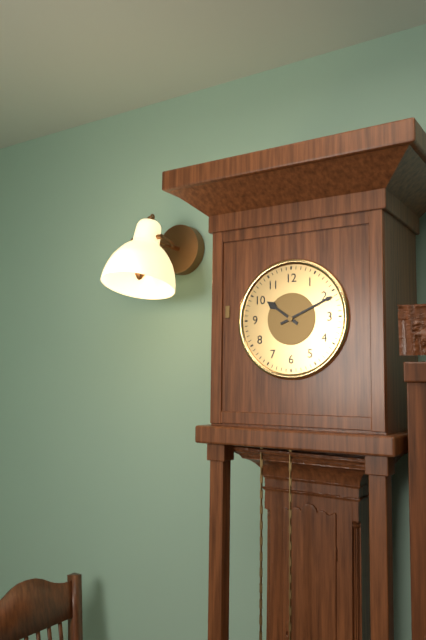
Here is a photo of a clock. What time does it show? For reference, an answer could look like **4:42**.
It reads **10:11**
